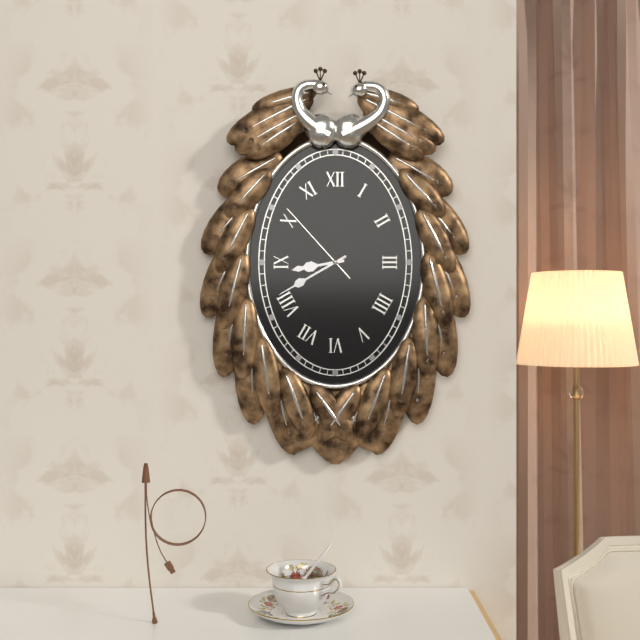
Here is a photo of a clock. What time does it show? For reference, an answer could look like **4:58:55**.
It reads **8:40:53**
